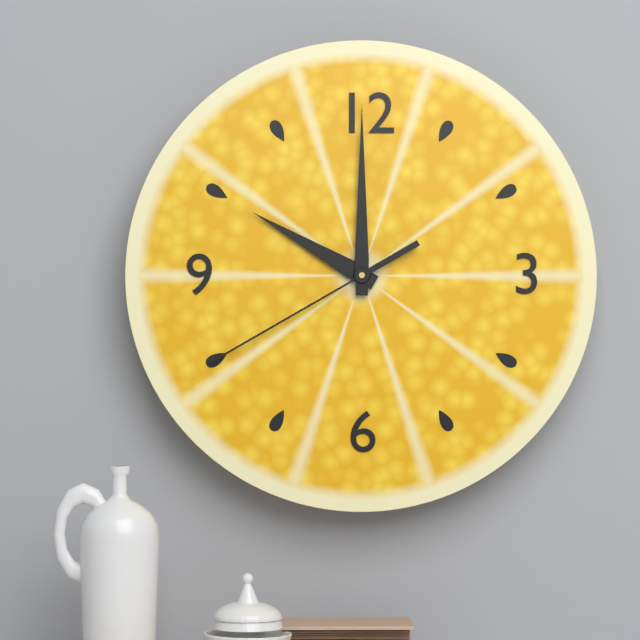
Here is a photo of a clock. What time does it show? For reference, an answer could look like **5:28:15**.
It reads **10:00:40**
